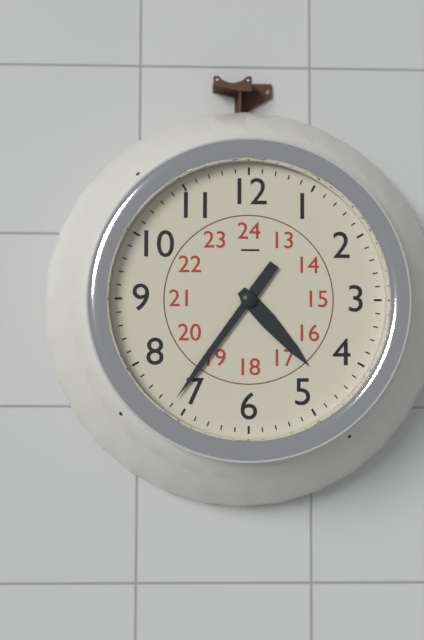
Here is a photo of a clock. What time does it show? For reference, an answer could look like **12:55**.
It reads **4:36**
